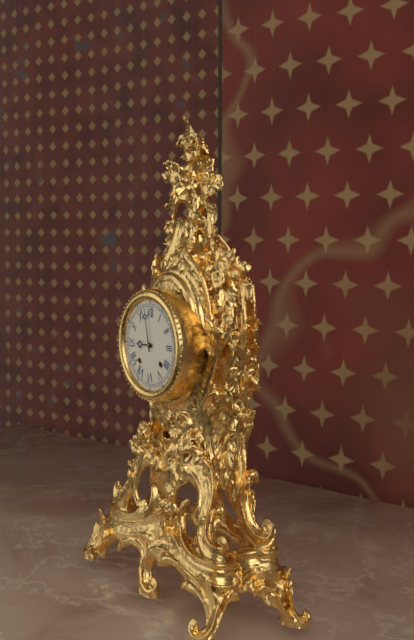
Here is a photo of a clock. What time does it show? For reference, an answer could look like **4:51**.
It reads **8:58**
